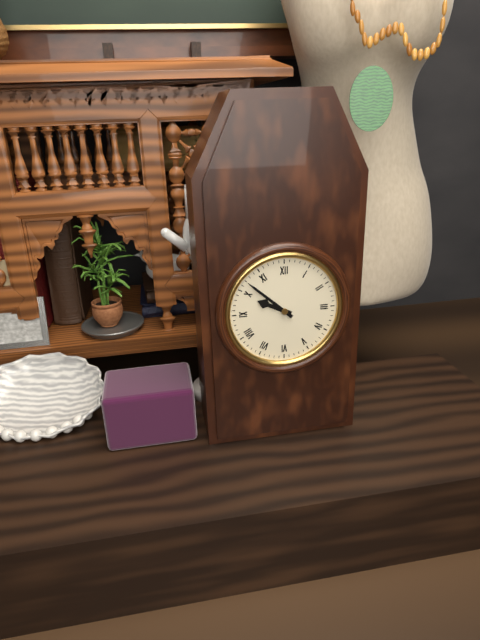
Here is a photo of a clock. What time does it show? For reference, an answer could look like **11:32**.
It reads **9:52**
